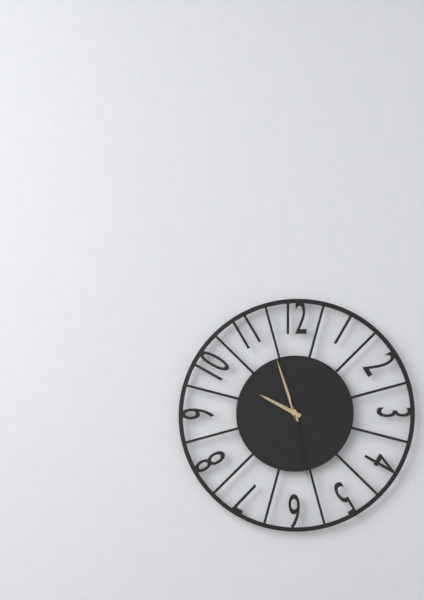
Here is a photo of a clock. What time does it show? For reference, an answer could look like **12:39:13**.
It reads **9:57:28**
